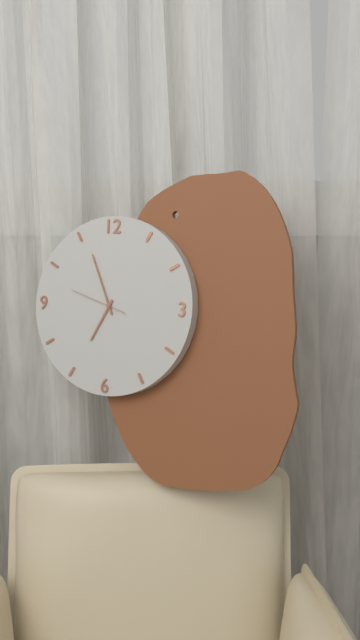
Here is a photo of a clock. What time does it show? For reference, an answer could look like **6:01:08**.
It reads **6:56:48**
